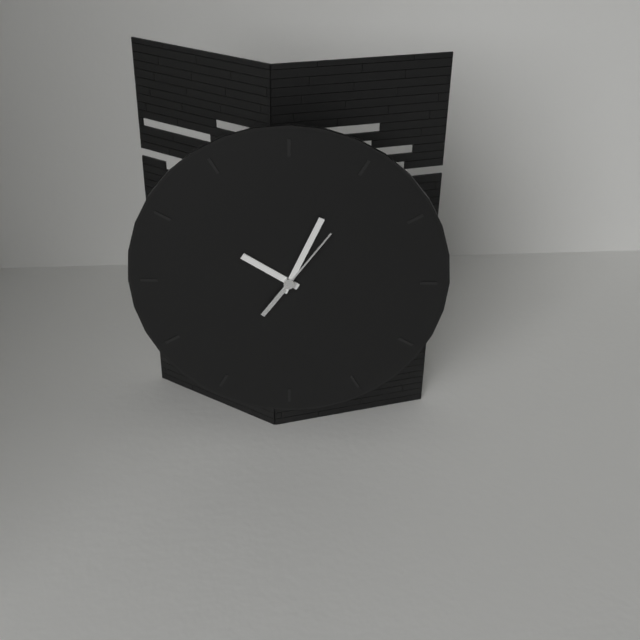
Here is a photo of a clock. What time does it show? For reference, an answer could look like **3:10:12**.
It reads **10:04:06**
